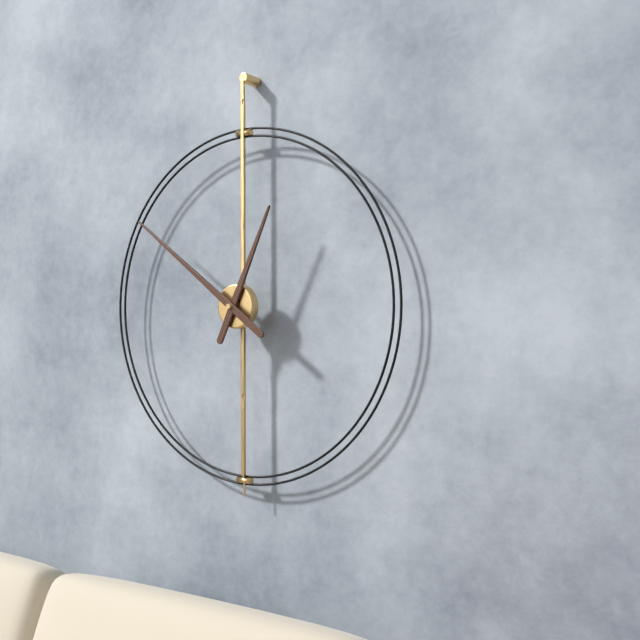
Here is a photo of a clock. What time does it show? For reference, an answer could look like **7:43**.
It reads **12:51**
